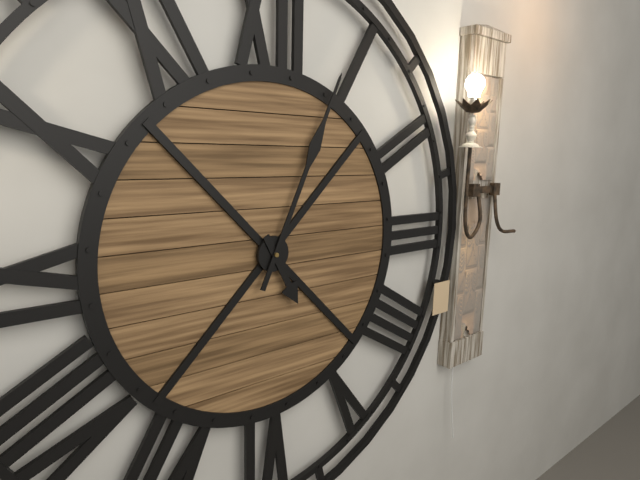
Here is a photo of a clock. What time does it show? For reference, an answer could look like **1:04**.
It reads **5:04**
